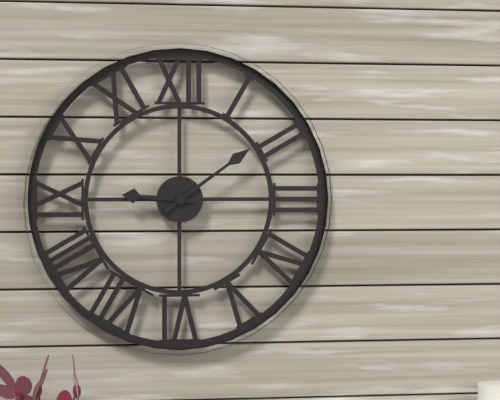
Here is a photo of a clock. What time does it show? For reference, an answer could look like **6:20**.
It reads **9:09**
